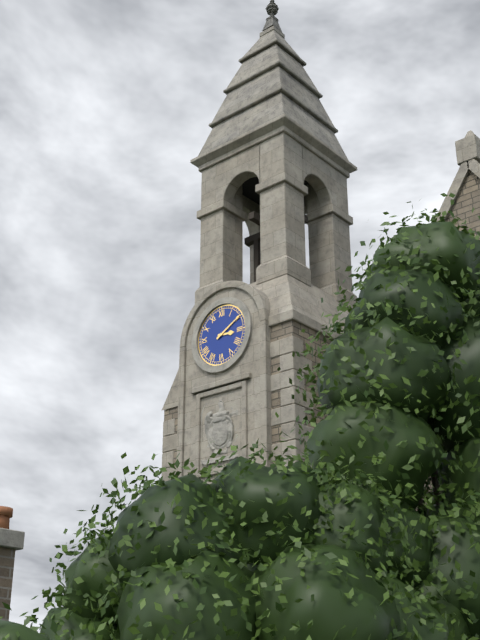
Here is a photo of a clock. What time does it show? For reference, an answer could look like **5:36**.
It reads **3:10**
